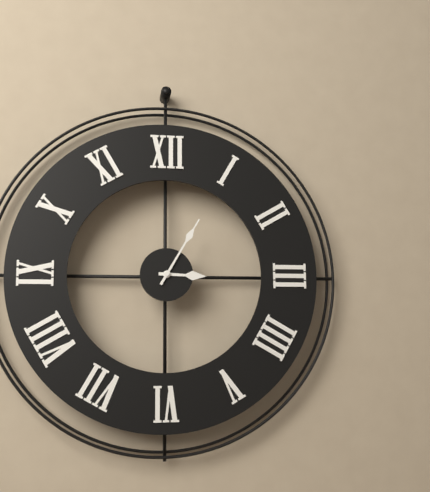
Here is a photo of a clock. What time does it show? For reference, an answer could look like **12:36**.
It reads **3:05**
